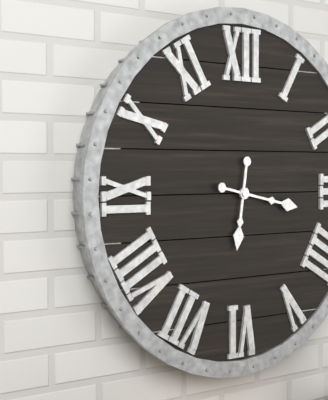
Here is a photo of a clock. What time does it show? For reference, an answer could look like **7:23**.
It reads **6:17**
